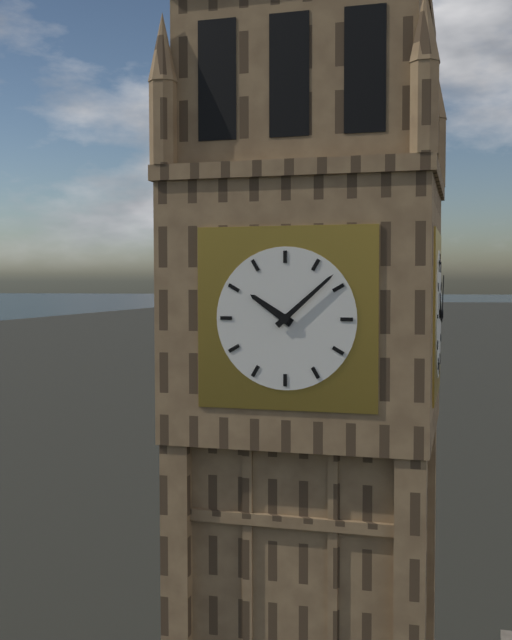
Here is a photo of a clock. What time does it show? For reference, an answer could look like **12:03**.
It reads **10:08**
